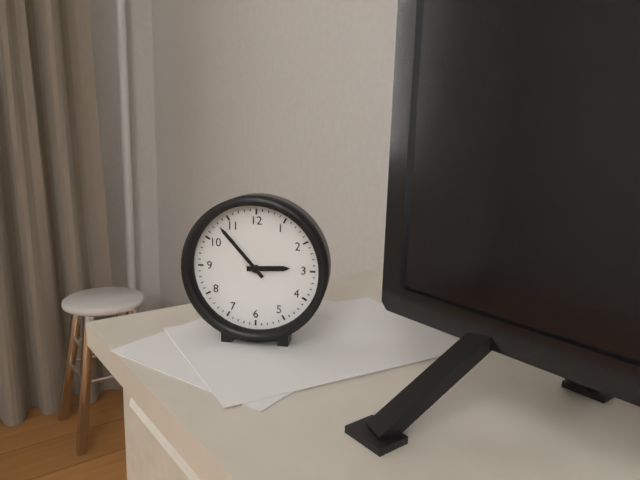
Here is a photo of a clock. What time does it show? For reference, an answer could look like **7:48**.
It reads **2:53**
